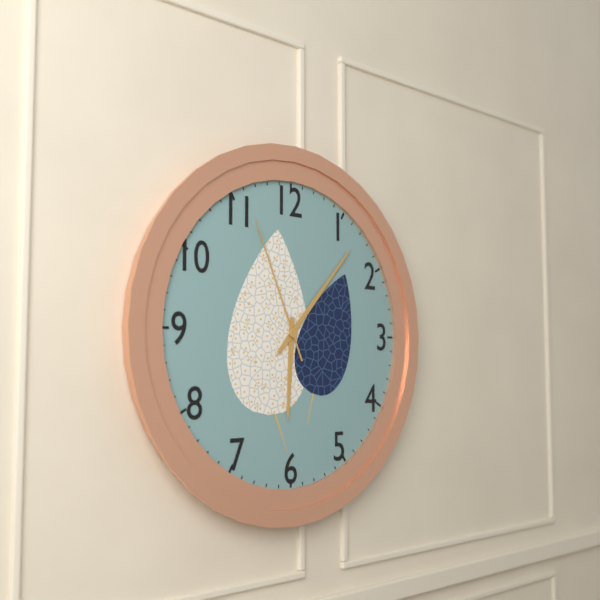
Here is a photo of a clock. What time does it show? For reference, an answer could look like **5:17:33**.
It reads **6:07:56**
